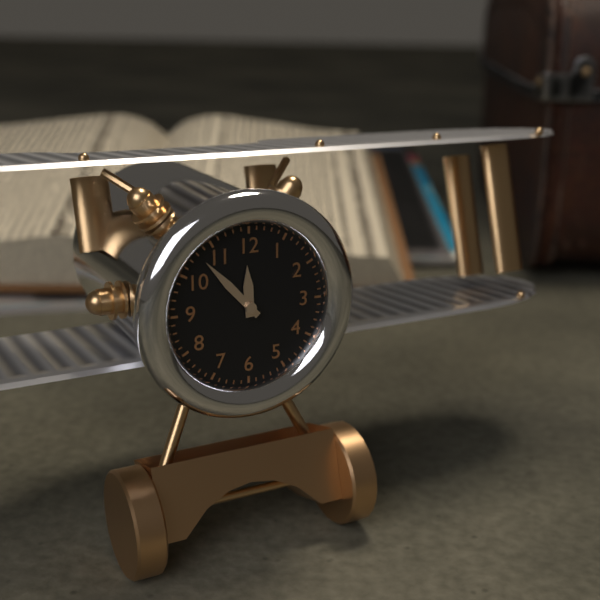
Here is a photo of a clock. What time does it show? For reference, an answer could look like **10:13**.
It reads **11:53**
